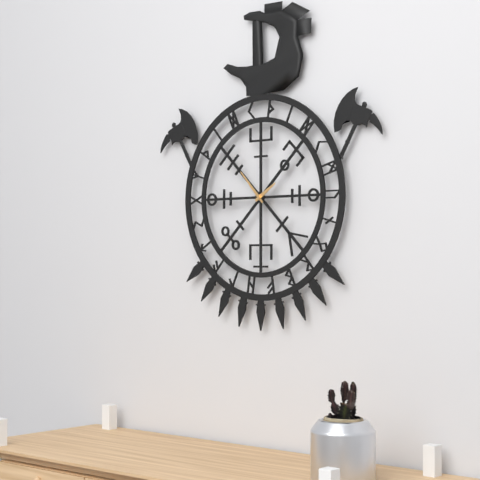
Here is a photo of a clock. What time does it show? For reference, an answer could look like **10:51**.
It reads **1:53**
